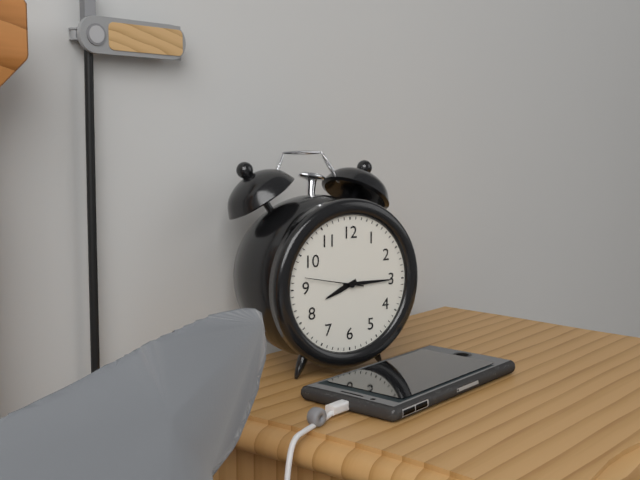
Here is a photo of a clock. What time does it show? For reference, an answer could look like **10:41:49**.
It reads **8:15:47**
